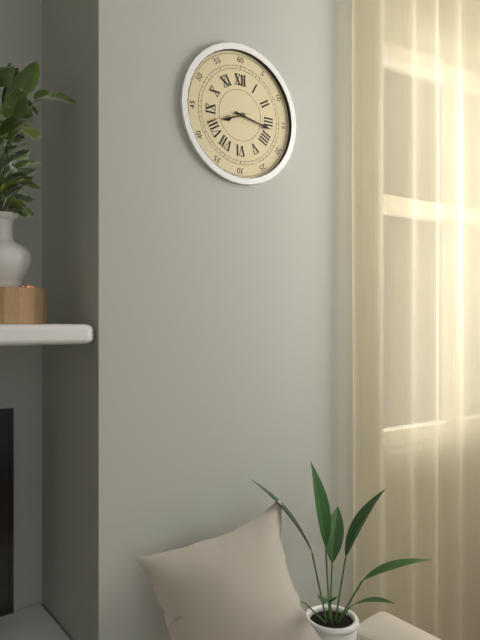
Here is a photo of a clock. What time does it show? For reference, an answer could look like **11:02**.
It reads **8:17**
